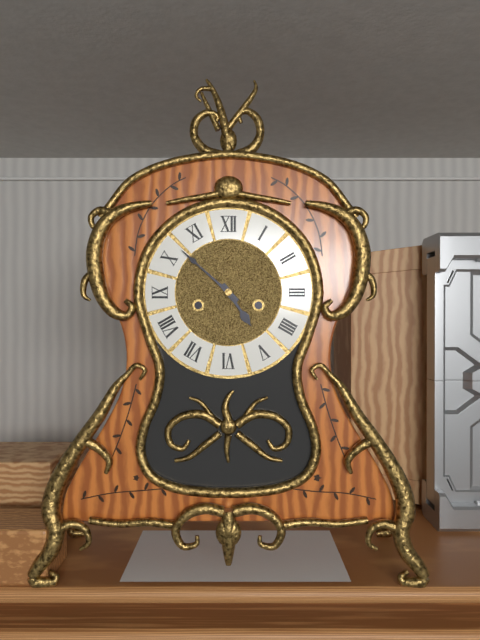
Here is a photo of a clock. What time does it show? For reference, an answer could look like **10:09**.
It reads **4:52**
